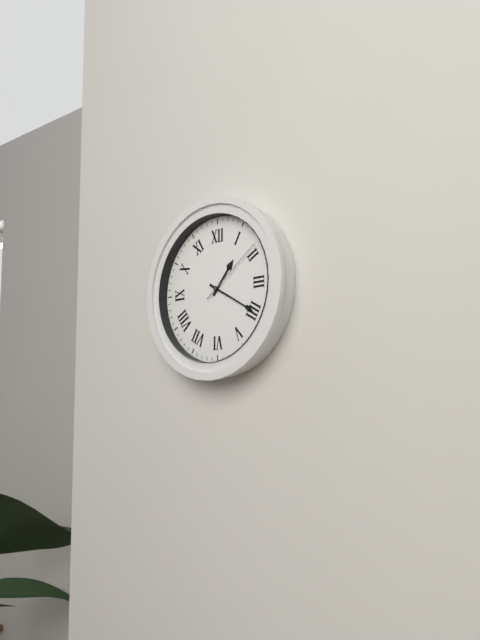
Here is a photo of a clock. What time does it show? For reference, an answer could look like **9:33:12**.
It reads **1:20:09**
